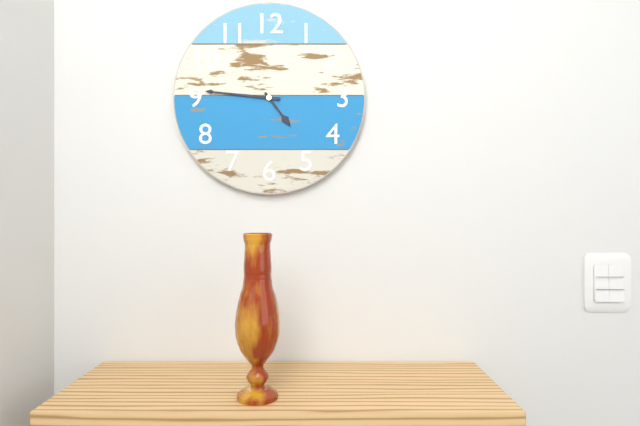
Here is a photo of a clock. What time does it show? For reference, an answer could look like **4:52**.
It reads **4:46**
